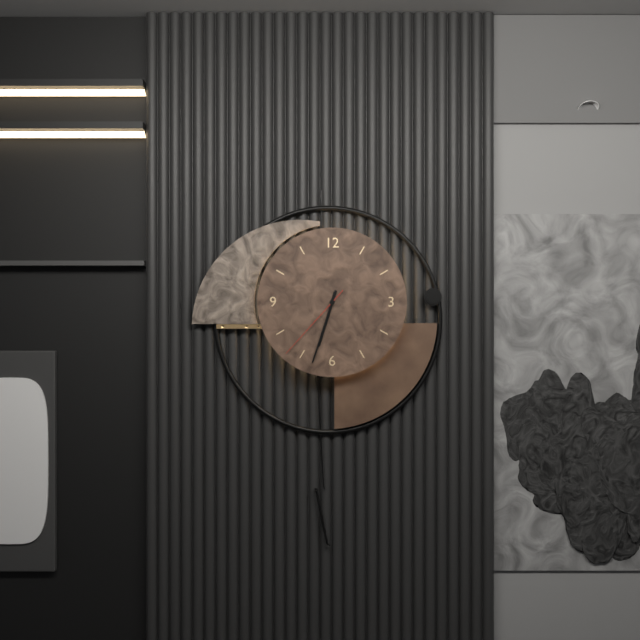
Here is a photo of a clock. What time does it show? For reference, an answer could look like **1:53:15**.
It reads **6:33:37**
